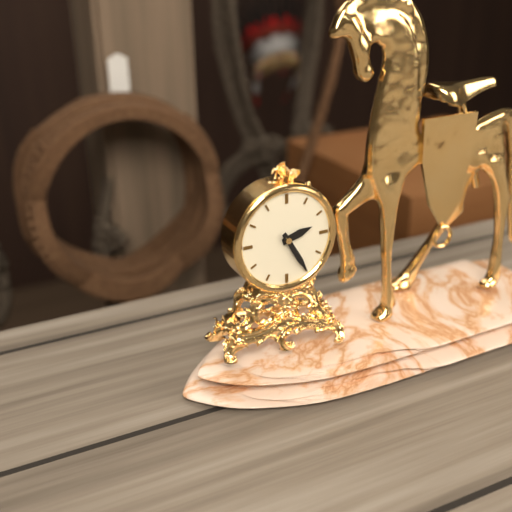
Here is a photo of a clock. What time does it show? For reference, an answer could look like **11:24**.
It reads **2:25**
